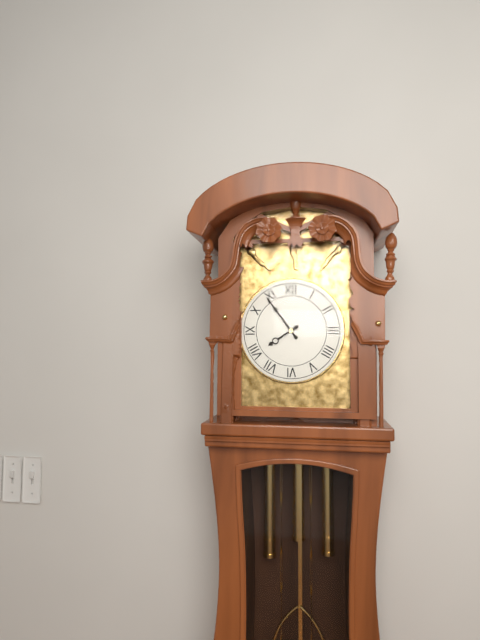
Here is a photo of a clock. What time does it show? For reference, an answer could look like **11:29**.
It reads **7:54**
